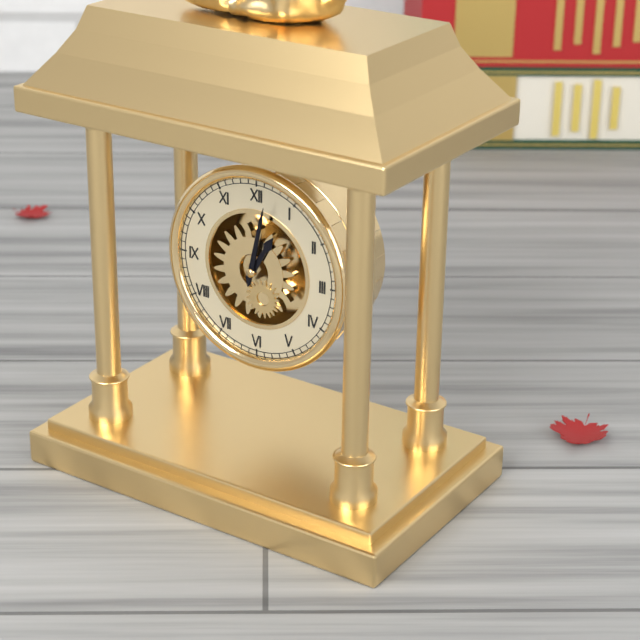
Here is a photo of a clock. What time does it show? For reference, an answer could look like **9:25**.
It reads **1:02**
